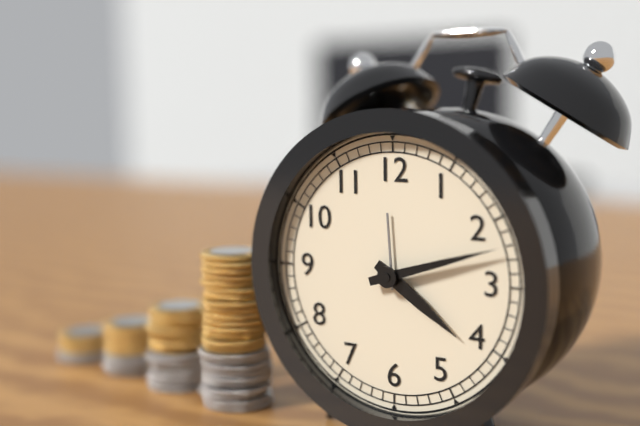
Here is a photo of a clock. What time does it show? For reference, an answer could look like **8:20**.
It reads **4:12**
